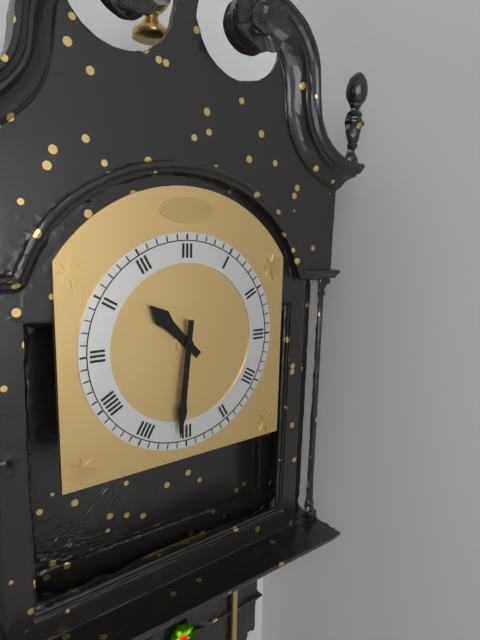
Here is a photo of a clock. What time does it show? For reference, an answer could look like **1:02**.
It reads **10:31**
